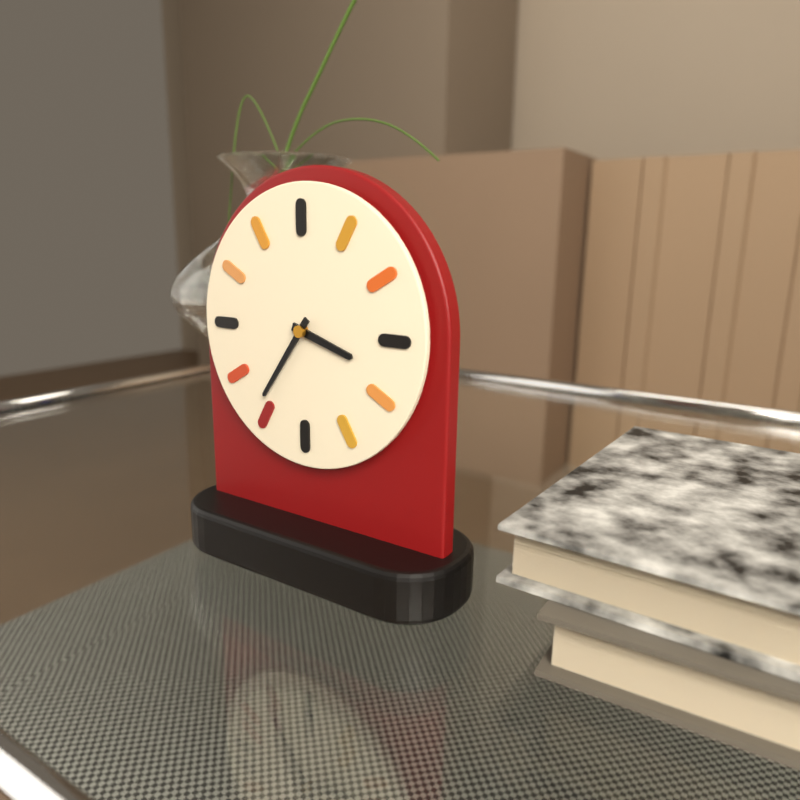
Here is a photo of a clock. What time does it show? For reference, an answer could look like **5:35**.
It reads **3:36**
